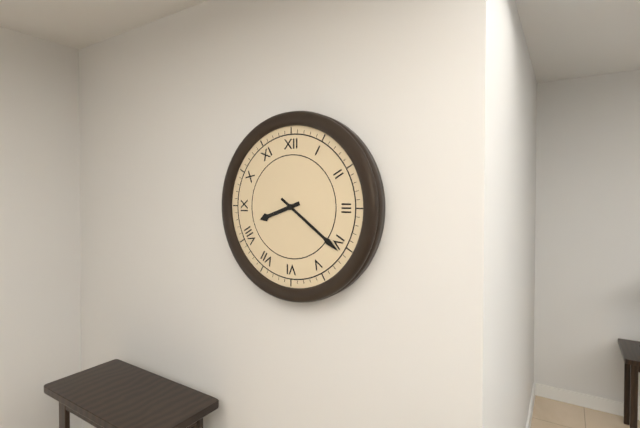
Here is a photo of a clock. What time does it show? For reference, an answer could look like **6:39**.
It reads **8:21**
